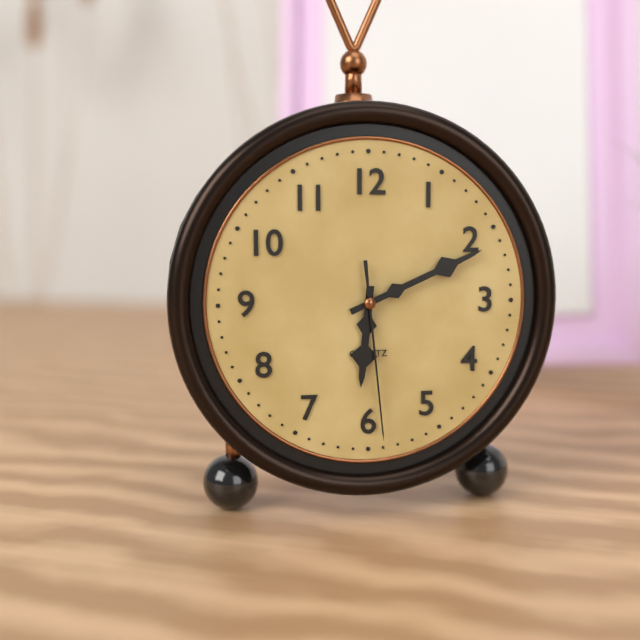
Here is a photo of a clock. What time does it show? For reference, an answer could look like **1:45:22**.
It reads **6:11:29**
